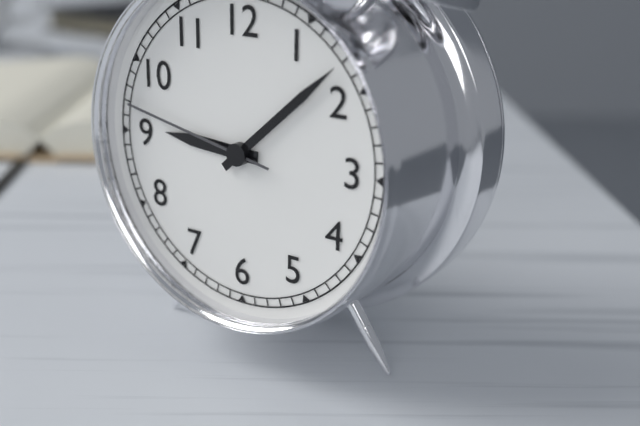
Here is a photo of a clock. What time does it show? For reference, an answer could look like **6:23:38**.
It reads **9:08:47**
